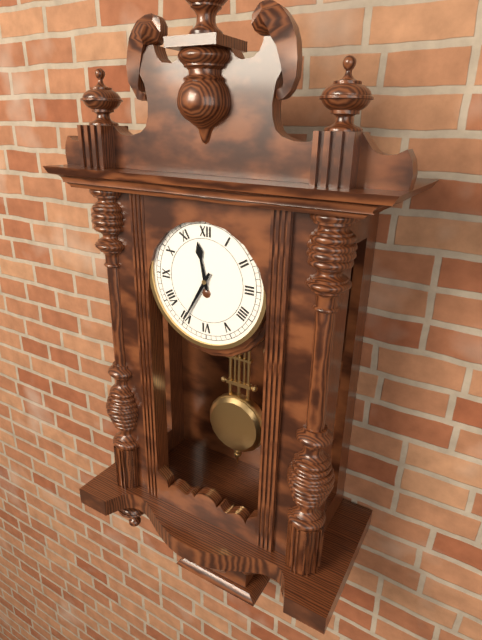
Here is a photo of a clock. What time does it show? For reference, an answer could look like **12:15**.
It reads **11:35**
